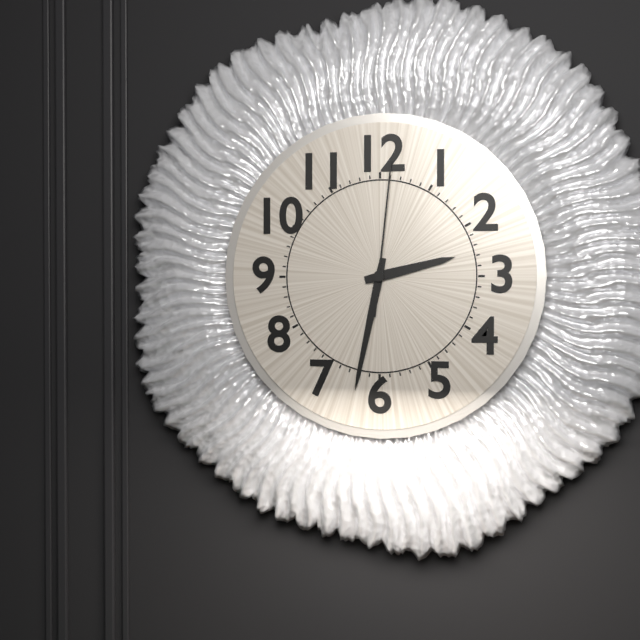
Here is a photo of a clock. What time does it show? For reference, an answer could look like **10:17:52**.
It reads **2:32:01**
